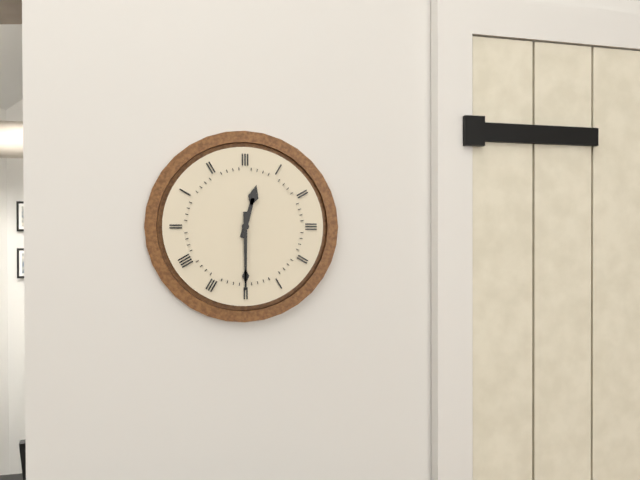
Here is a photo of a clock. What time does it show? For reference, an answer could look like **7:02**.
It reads **12:30**
